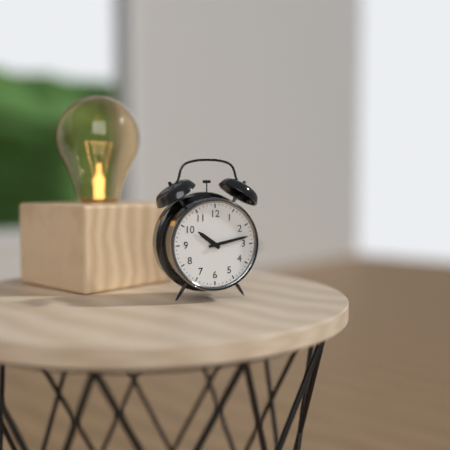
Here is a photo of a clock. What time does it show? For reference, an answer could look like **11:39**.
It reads **10:13**
